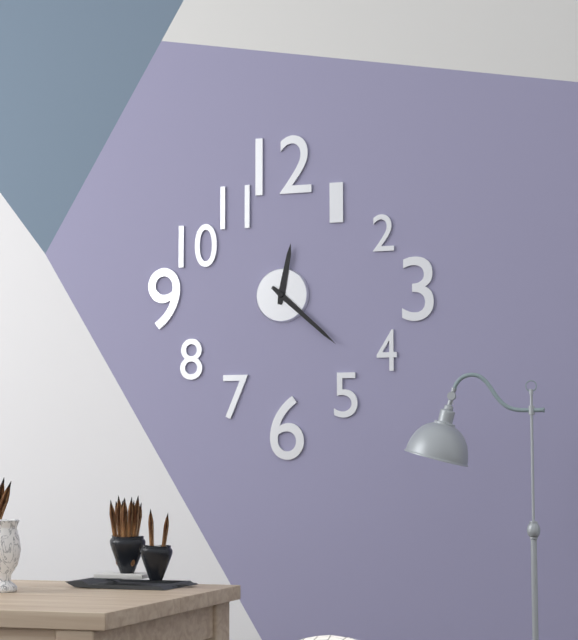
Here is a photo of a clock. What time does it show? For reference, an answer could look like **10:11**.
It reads **12:22**
